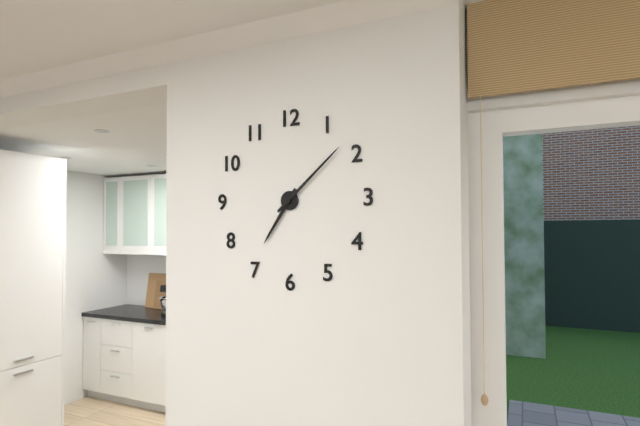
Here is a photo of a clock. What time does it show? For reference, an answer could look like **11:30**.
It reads **7:08**
